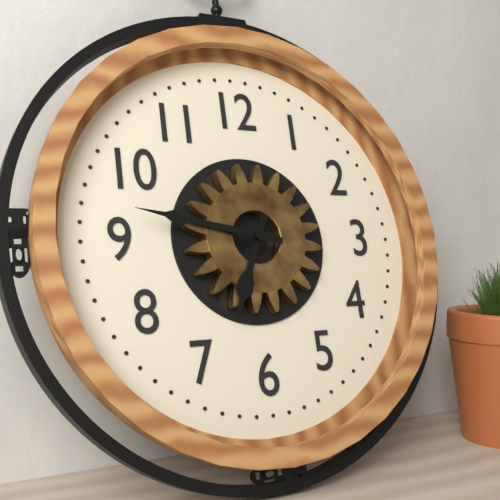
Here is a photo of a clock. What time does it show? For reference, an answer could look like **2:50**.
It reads **6:47**
